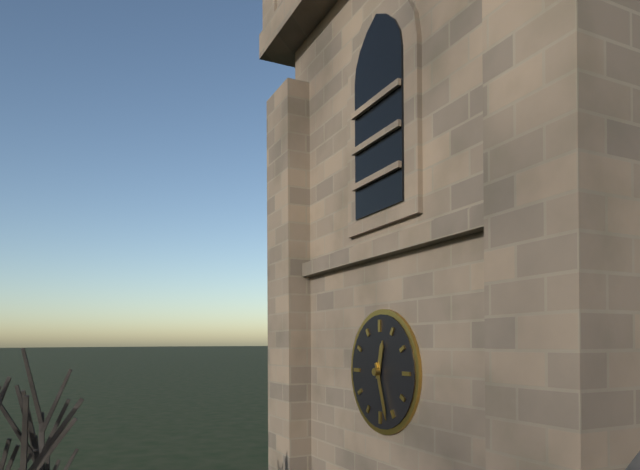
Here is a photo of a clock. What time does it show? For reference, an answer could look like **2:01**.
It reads **12:27**
